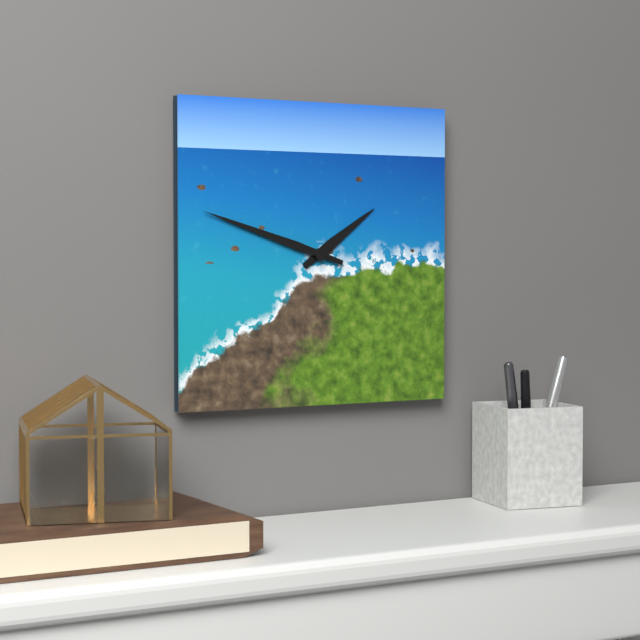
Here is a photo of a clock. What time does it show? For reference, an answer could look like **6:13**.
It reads **1:48**
